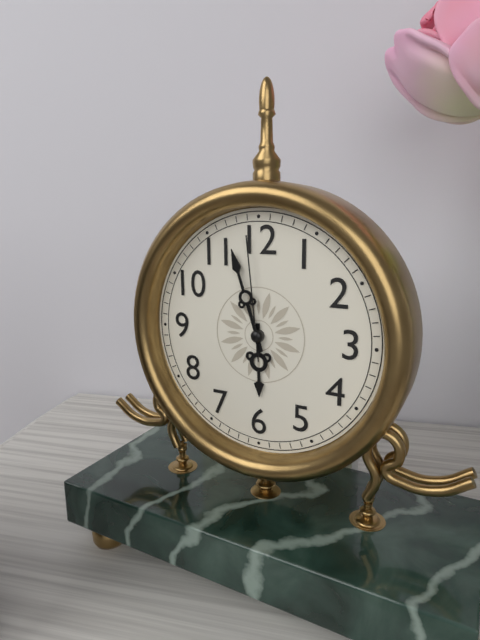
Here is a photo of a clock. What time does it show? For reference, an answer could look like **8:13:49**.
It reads **5:57:59**
